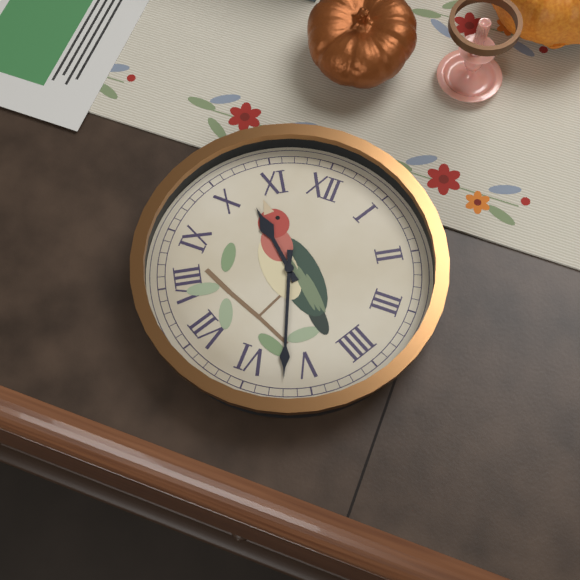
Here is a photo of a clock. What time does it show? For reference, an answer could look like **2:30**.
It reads **10:27**
